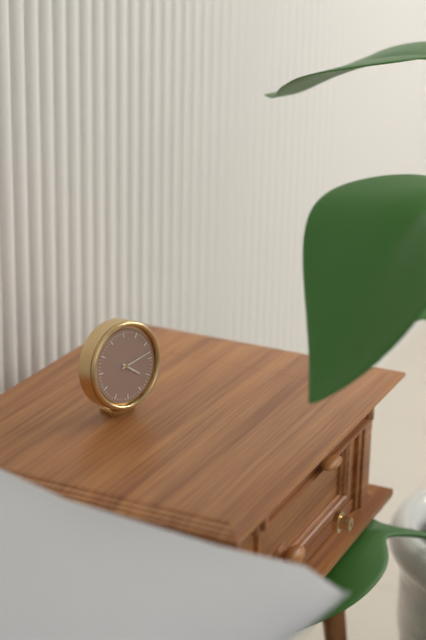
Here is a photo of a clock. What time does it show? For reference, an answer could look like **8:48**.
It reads **4:13**
